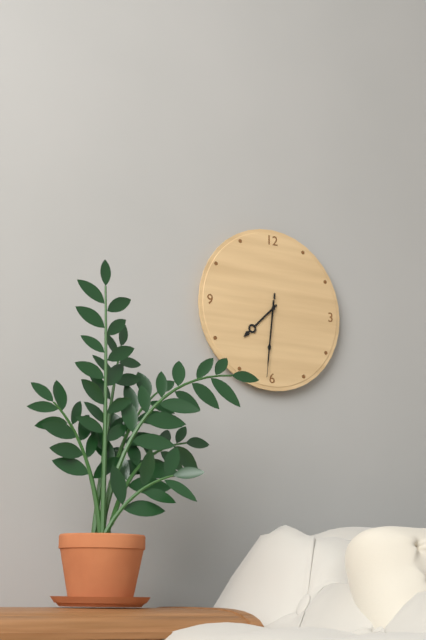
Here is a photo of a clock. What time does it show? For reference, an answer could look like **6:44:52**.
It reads **7:31:31**
